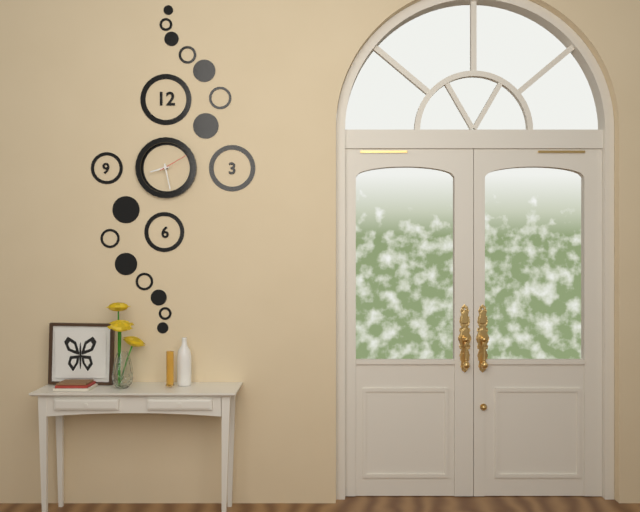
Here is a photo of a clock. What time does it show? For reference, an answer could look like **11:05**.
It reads **8:28**
